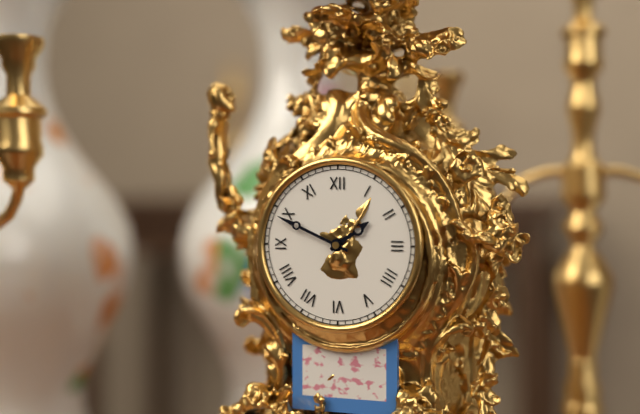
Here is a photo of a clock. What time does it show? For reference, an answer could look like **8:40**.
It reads **1:49**
